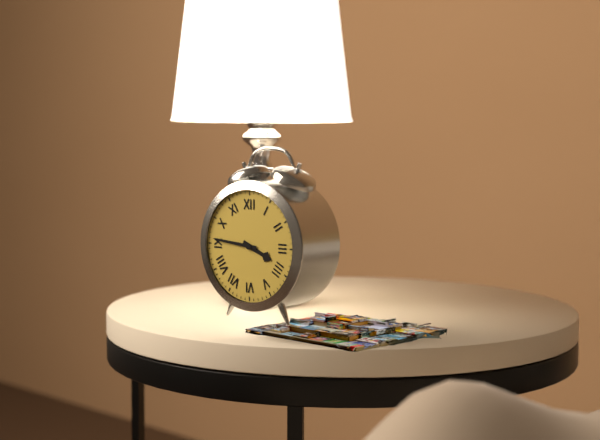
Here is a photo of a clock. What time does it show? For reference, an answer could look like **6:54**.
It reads **3:46**
